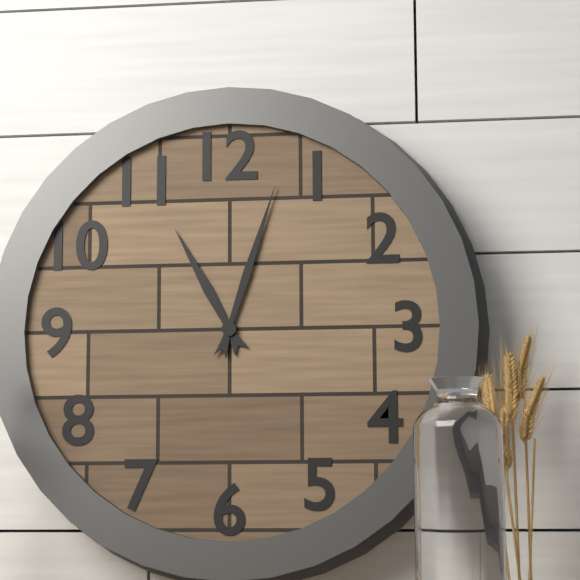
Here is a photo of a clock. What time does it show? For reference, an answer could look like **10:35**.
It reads **11:03**
